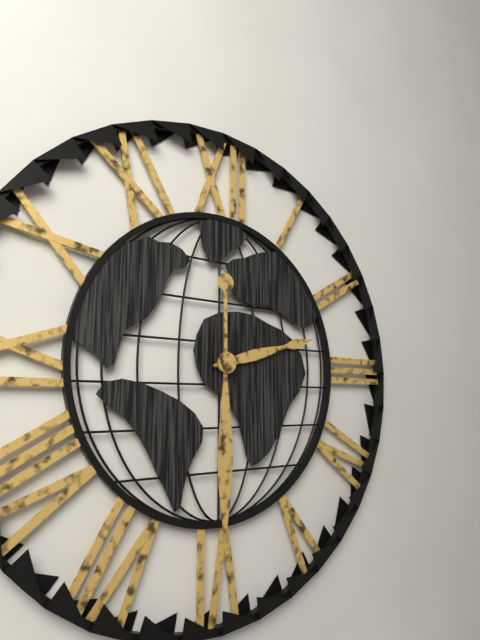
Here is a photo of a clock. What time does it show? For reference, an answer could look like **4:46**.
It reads **2:30**
